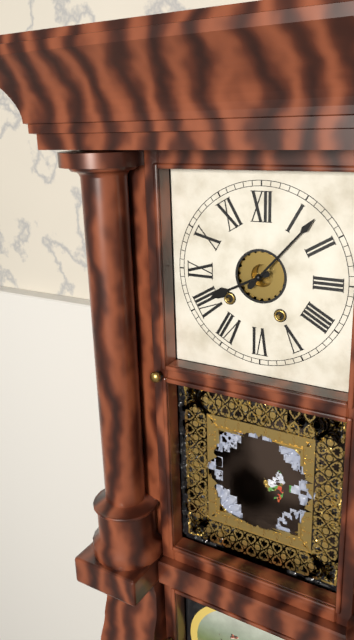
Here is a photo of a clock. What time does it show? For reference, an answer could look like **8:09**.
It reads **8:07**
